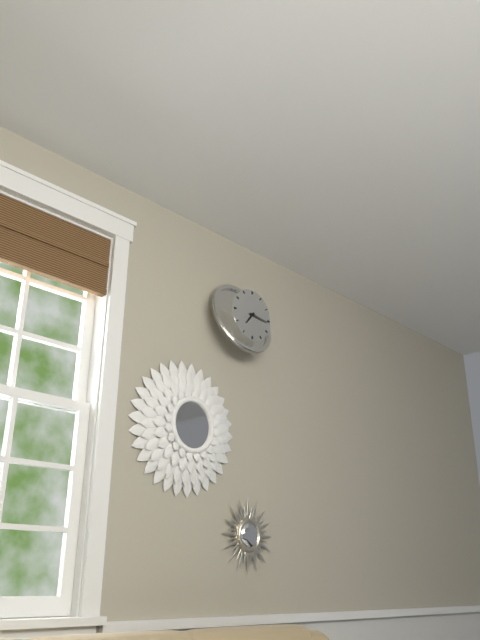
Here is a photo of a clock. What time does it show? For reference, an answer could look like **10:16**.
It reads **7:16**
